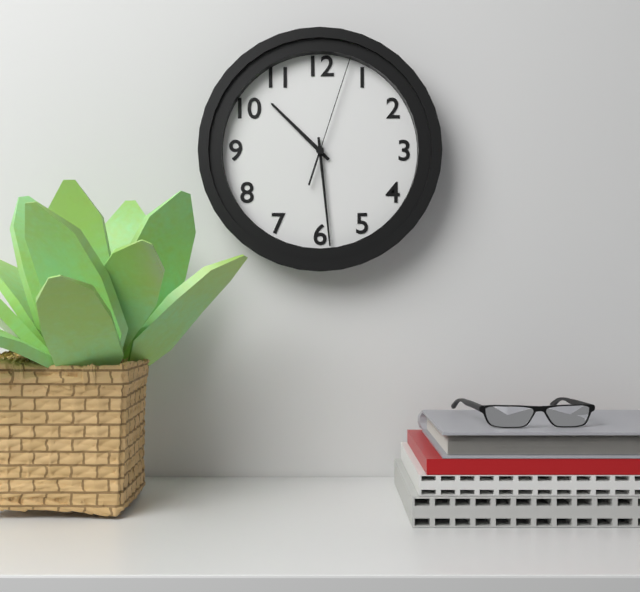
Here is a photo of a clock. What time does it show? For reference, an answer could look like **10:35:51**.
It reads **10:29:03**
